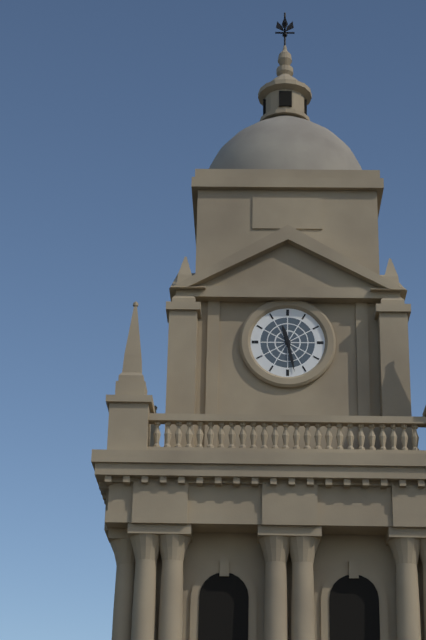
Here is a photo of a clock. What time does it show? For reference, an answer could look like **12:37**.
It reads **11:28**
